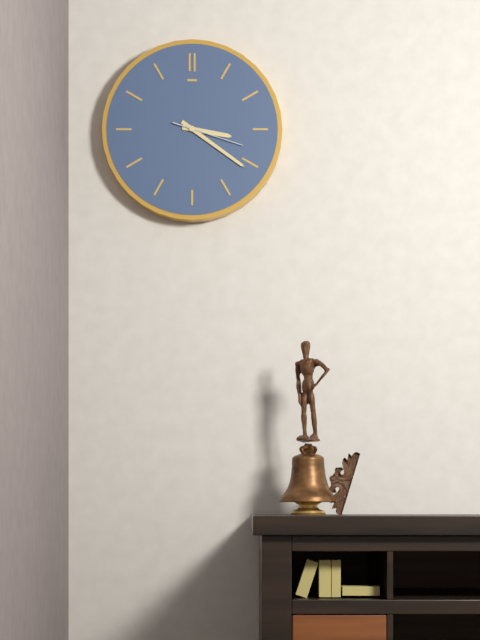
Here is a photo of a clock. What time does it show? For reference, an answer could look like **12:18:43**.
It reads **3:21:18**
